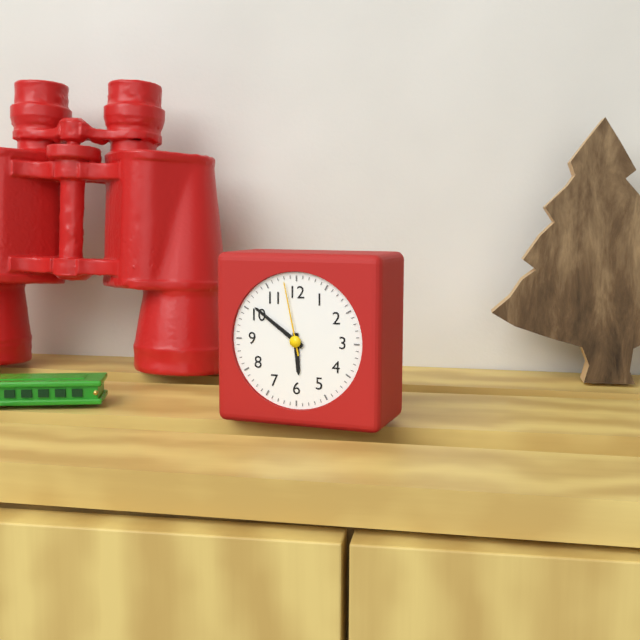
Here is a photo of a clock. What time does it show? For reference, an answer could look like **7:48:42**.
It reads **5:51:58**
